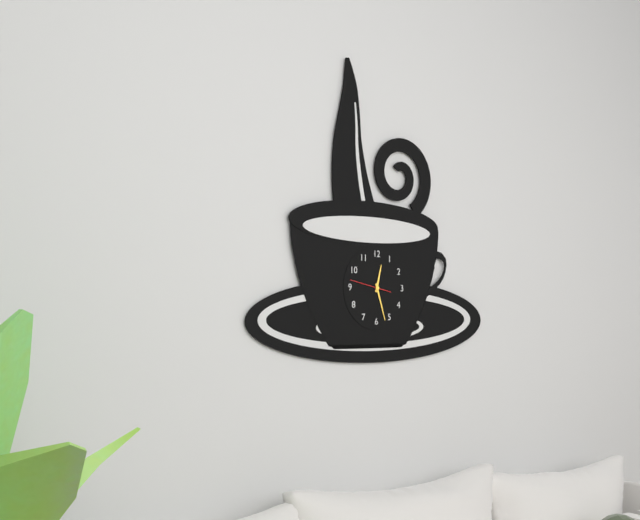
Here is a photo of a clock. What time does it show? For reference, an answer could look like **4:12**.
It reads **12:27**
